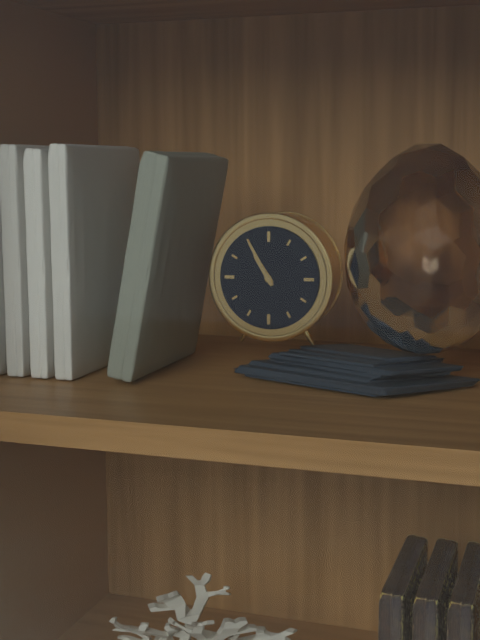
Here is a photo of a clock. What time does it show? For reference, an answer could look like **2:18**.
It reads **10:55**
